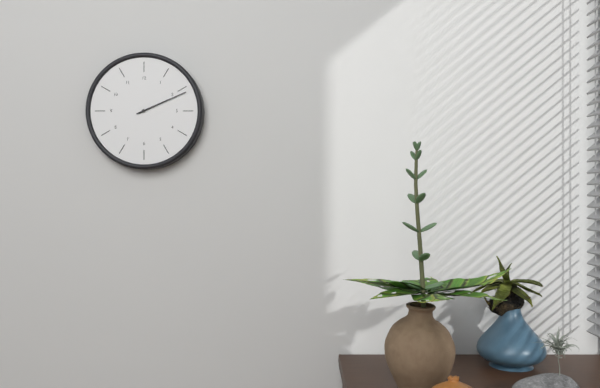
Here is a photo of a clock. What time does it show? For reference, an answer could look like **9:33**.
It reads **2:11**
